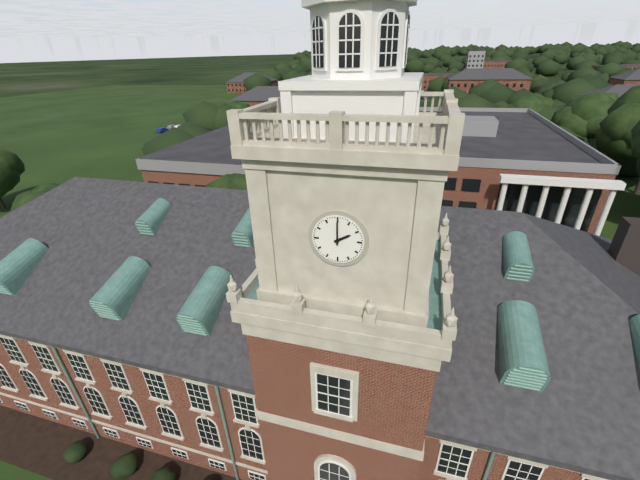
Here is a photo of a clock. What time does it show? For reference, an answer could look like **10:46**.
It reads **2:00**
